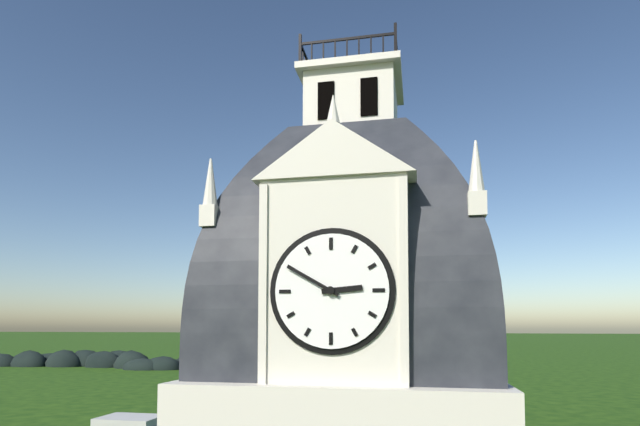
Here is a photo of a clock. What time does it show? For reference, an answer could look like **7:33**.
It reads **2:50**
